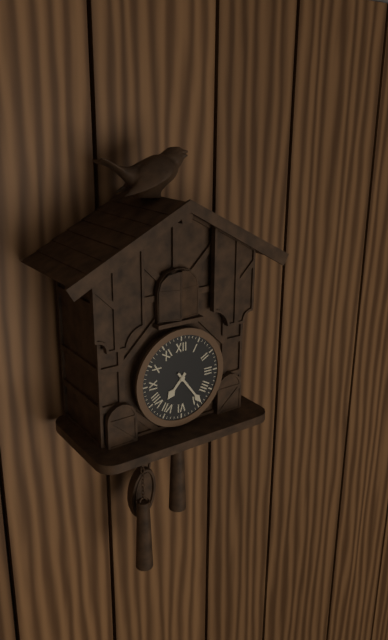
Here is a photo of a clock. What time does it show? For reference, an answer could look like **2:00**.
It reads **7:24**
